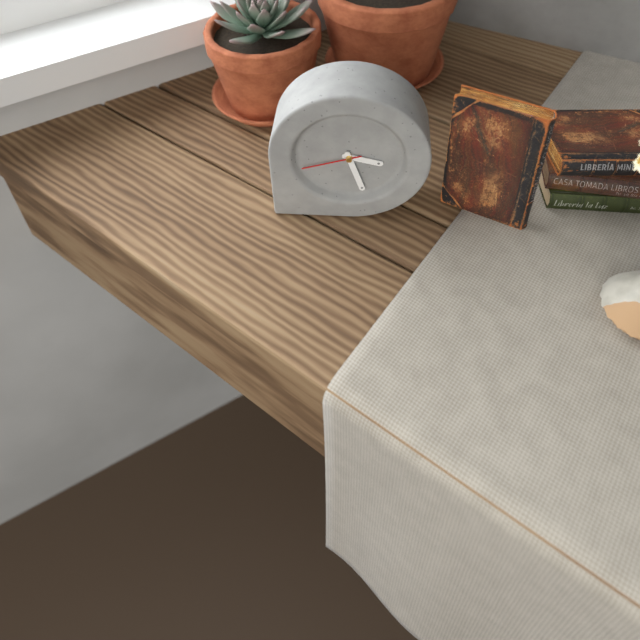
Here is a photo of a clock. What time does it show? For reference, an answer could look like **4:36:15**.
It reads **3:27:42**
